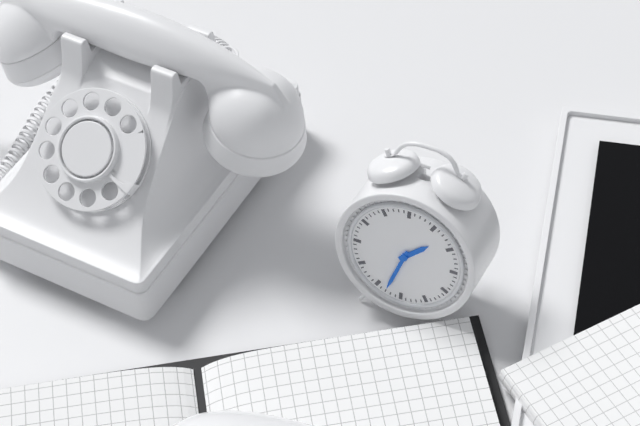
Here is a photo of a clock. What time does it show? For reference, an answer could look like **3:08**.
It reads **1:33**
